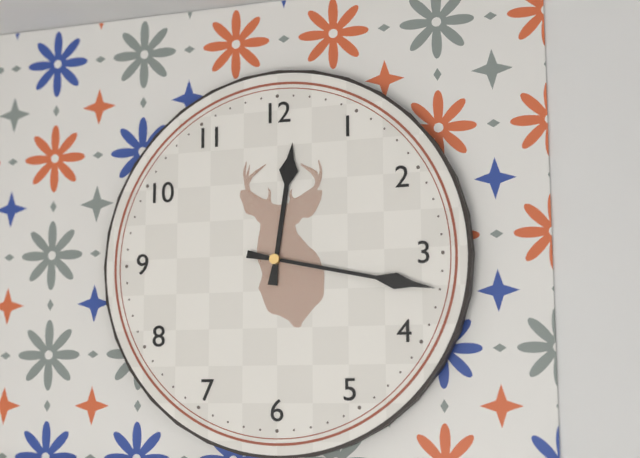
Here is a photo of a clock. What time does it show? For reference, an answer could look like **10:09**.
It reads **12:17**
